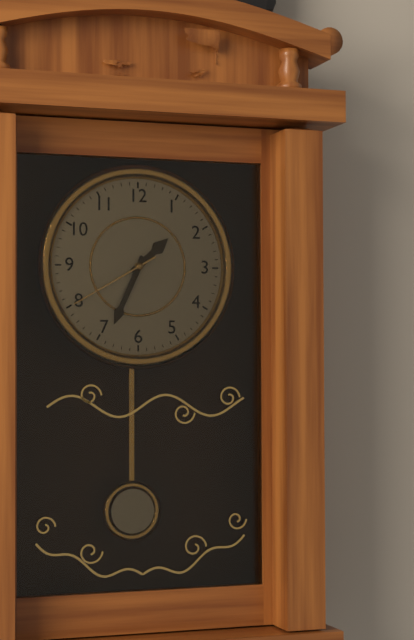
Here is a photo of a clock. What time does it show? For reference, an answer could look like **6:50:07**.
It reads **1:34:40**
